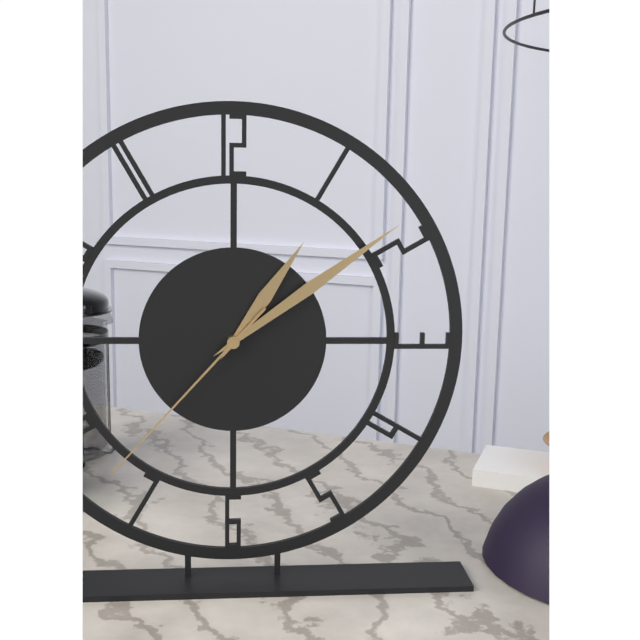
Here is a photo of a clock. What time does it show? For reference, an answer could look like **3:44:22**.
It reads **1:09:37**
